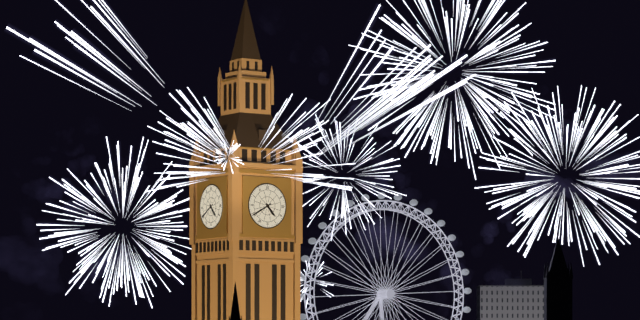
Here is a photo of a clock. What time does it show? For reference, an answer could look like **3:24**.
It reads **4:40**
